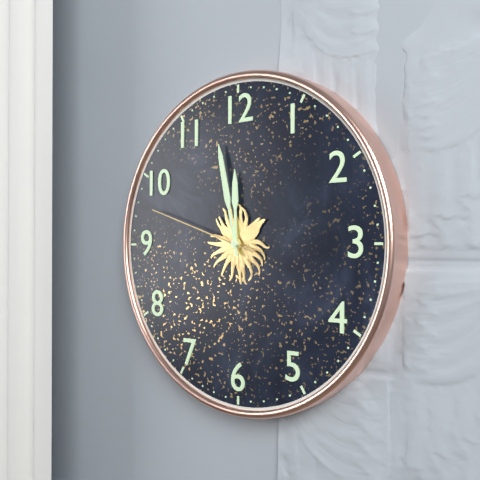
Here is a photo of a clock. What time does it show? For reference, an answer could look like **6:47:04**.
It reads **11:58:48**
